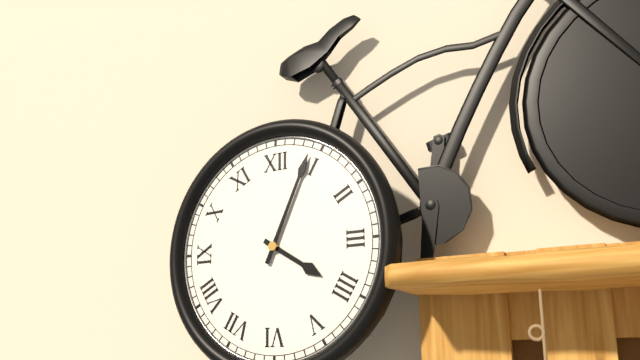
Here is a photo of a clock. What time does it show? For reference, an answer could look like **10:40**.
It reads **4:04**
